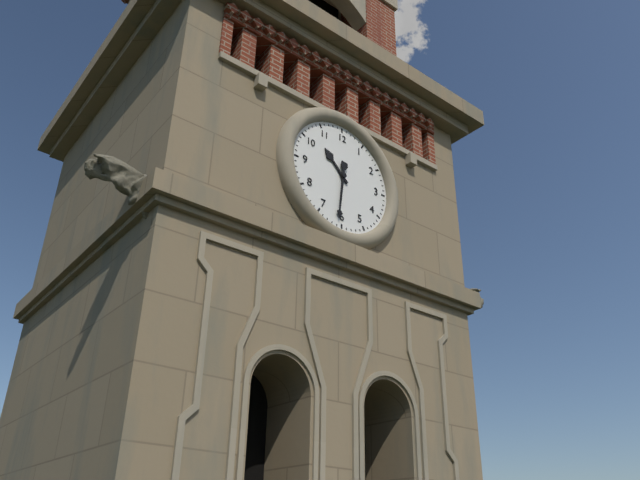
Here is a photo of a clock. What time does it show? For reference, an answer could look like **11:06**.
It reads **10:31**
